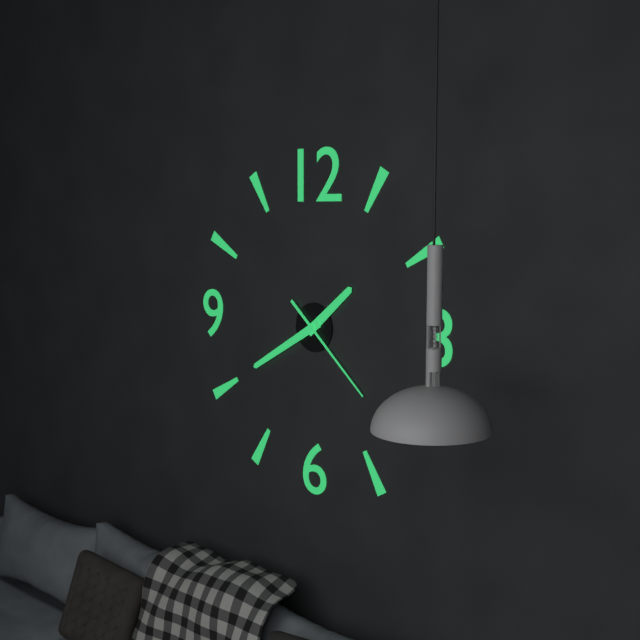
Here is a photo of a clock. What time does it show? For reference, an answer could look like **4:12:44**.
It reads **1:40:22**
